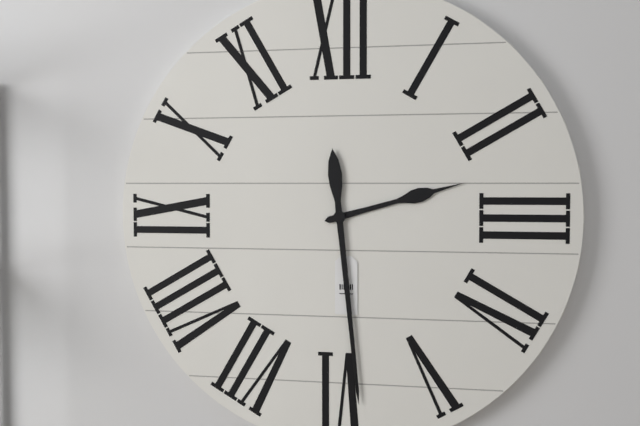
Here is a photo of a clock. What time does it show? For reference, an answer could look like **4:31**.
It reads **2:29**
